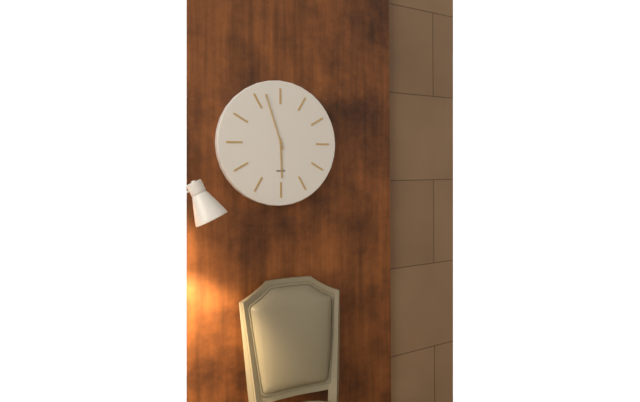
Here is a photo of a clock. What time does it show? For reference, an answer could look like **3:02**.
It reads **5:57**
